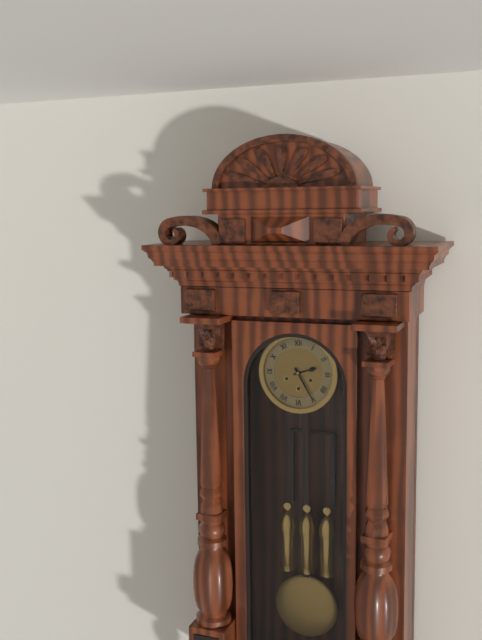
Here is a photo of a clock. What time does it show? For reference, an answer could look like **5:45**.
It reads **2:25**
